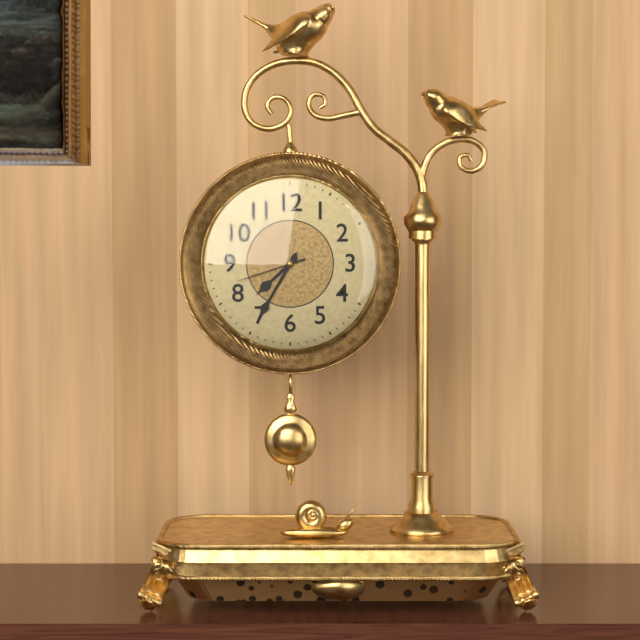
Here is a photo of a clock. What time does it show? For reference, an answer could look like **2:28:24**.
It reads **7:35:42**
